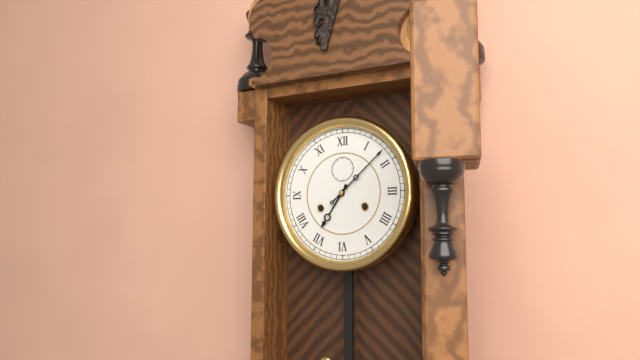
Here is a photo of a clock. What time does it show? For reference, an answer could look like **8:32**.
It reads **7:08**
